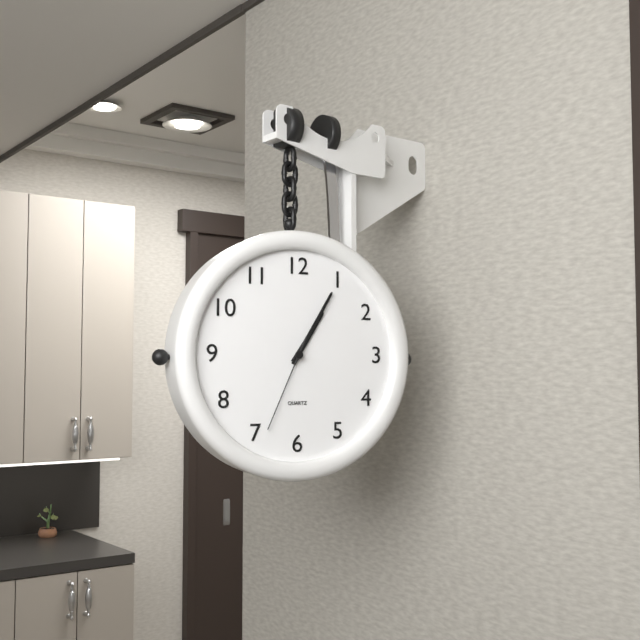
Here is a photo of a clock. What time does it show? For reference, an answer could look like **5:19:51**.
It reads **1:05:34**
